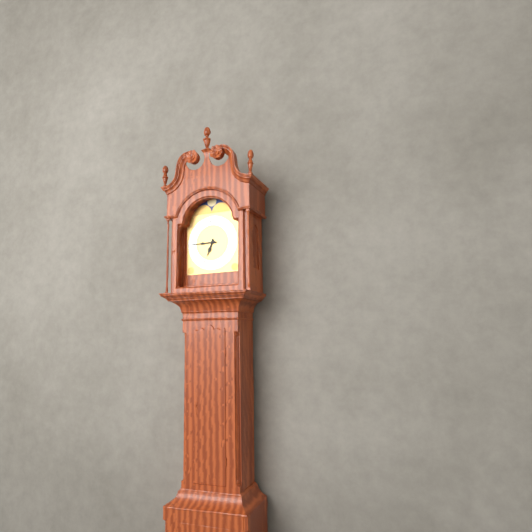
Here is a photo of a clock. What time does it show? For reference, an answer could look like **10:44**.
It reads **6:45**
